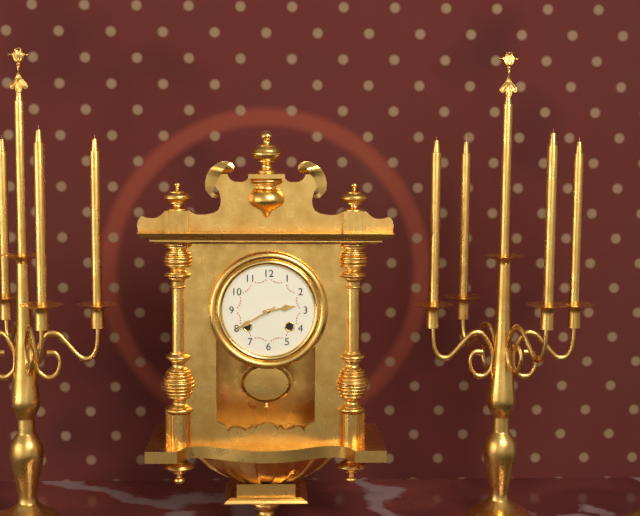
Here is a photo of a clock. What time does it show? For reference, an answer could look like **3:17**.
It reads **2:40**
